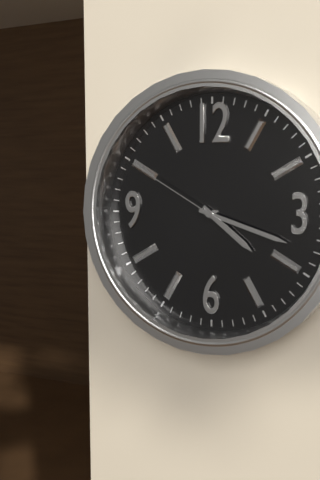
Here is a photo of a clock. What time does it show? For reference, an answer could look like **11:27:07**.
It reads **4:18:50**
